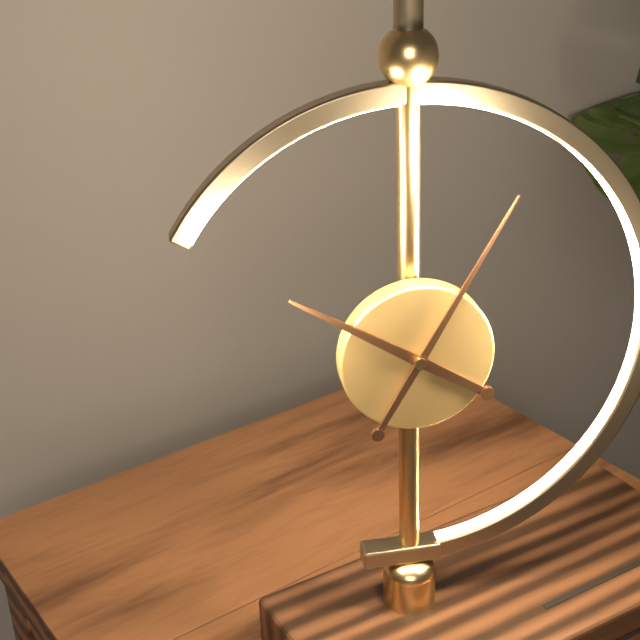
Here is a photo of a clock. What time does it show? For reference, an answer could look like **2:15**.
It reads **10:05**
